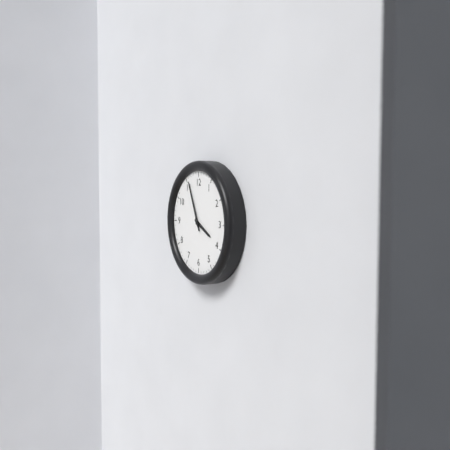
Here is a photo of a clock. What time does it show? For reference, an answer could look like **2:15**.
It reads **3:56**
